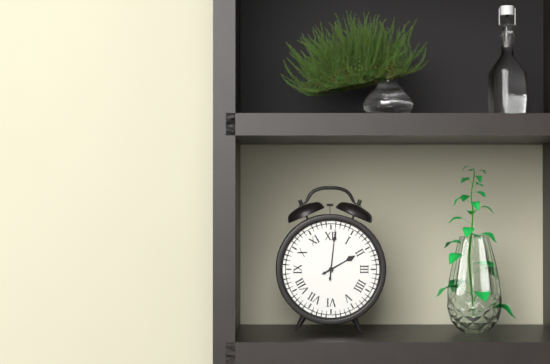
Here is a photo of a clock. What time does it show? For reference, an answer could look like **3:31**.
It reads **2:01**
